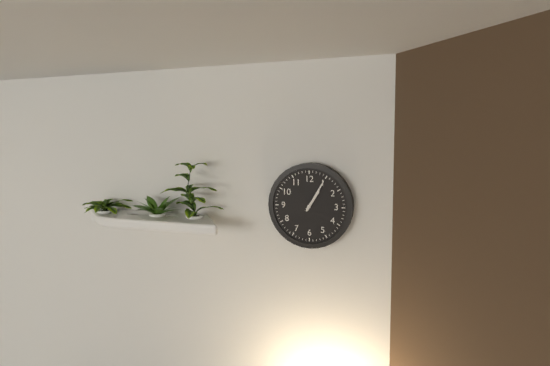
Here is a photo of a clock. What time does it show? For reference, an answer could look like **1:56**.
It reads **1:05**
